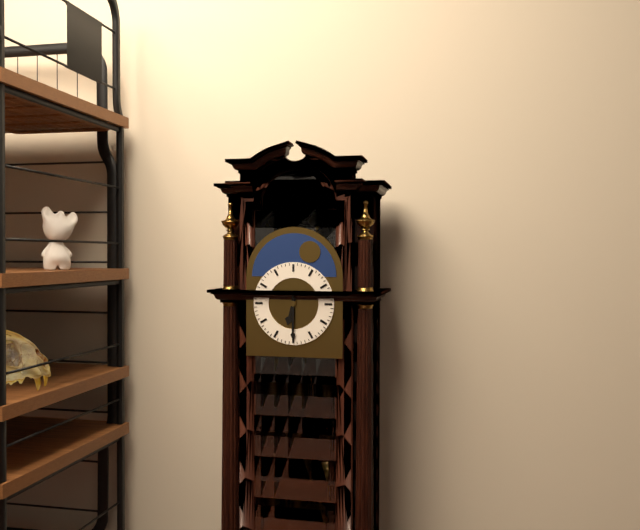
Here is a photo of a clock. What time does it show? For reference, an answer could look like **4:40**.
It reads **6:30**
